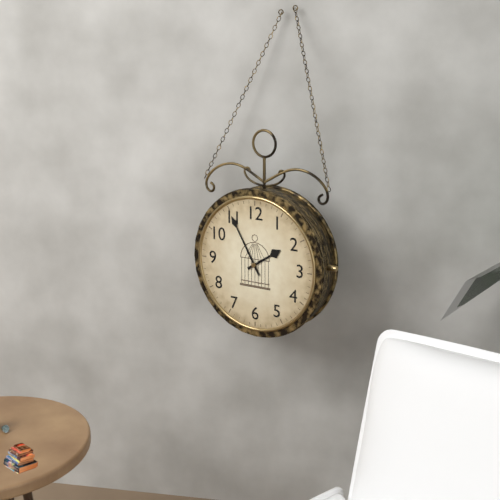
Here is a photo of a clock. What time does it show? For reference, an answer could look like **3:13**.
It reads **1:55**
